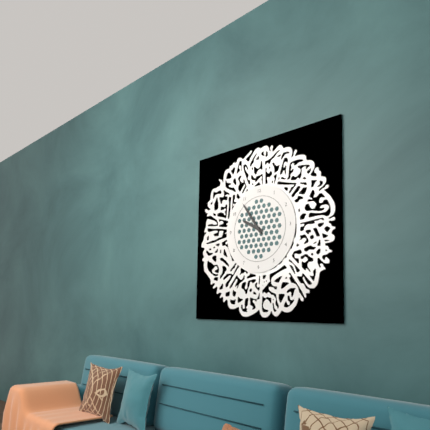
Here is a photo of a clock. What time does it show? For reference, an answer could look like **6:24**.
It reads **9:54**
